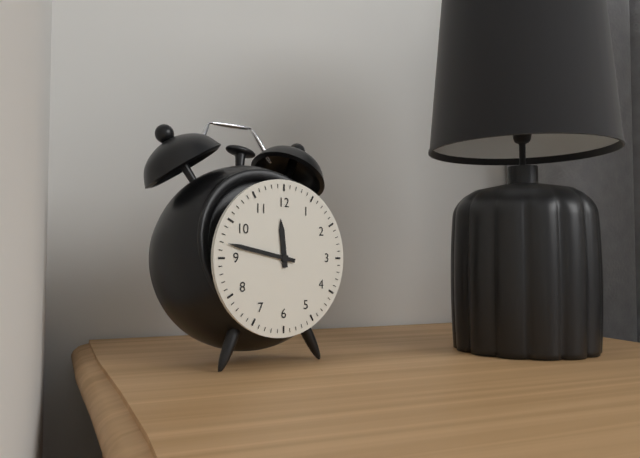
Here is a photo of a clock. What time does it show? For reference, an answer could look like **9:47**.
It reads **11:47**
